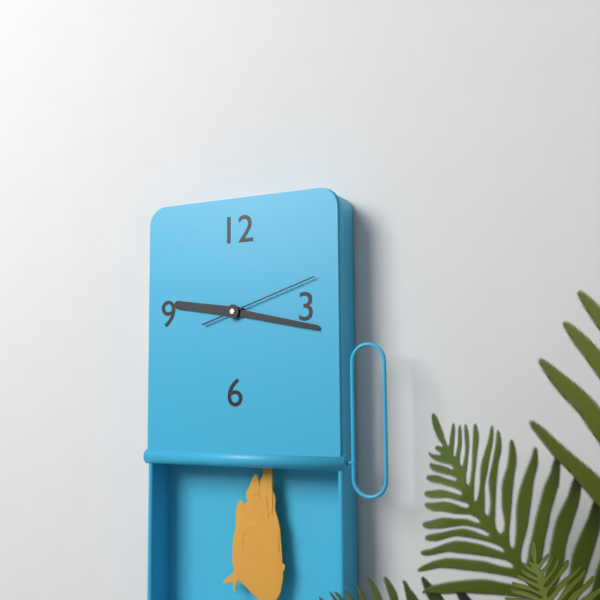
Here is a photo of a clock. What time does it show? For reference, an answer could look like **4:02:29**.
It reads **9:17:12**
